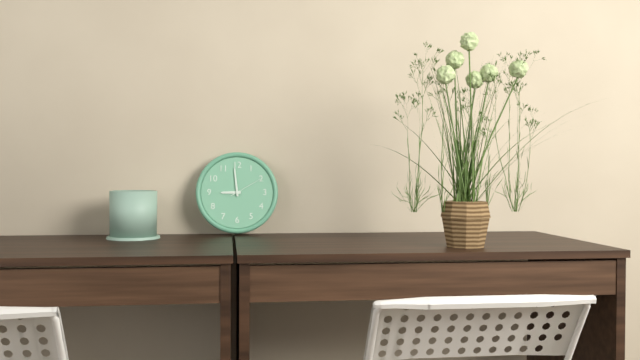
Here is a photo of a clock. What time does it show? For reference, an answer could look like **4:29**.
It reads **8:59**
